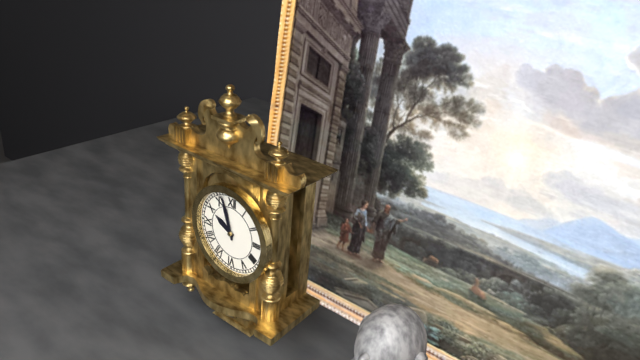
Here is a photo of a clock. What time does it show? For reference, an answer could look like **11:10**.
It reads **9:57**
